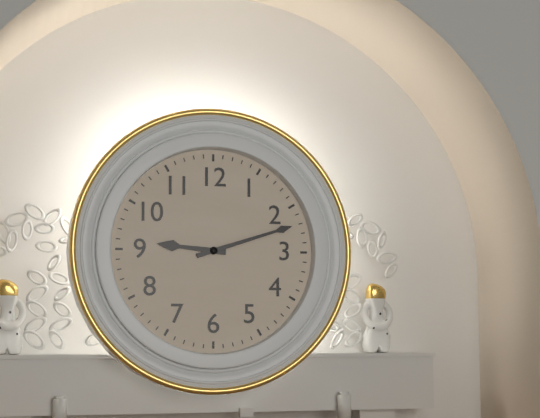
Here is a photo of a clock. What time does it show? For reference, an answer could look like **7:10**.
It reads **9:12**
